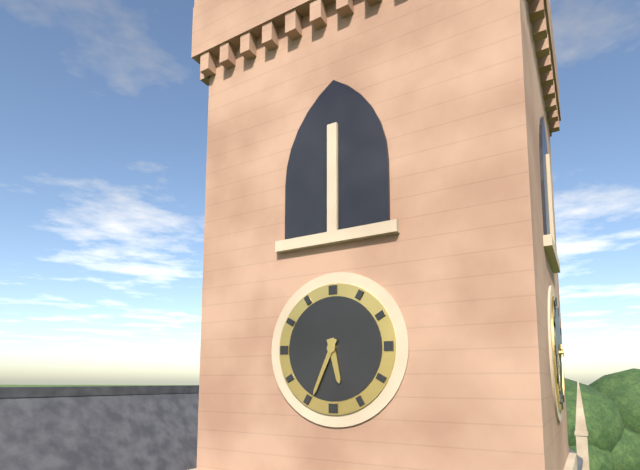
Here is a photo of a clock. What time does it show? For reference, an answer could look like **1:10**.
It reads **5:34**
